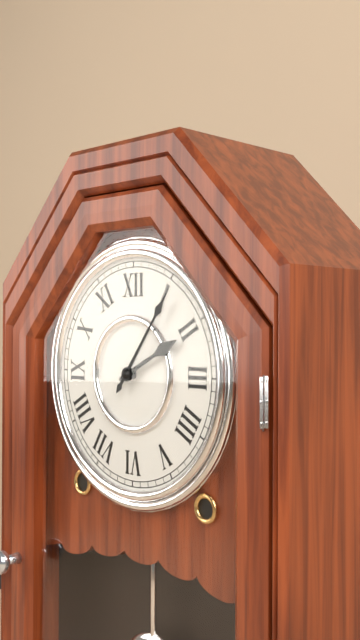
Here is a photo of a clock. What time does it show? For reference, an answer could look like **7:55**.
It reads **2:06**
